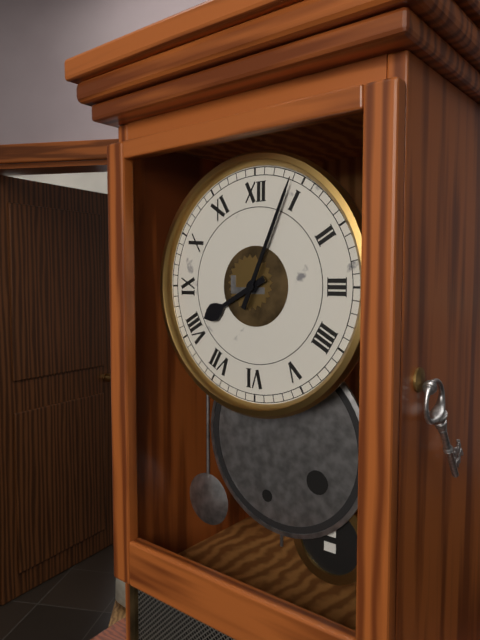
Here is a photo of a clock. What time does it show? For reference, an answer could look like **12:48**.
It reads **8:04**
